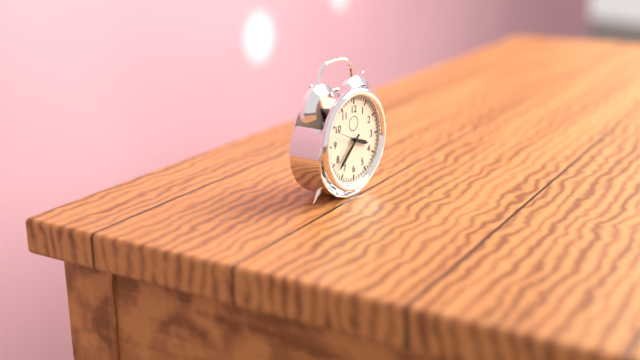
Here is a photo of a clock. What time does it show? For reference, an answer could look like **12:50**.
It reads **3:38**
